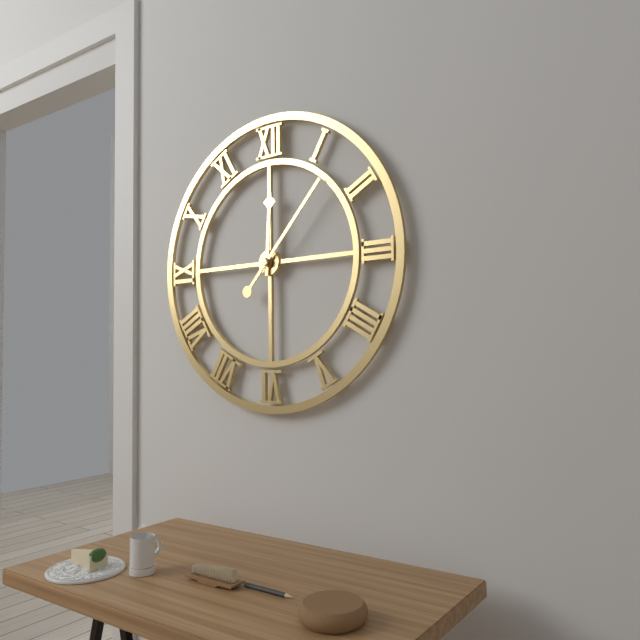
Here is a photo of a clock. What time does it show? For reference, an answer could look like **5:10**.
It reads **12:07**
